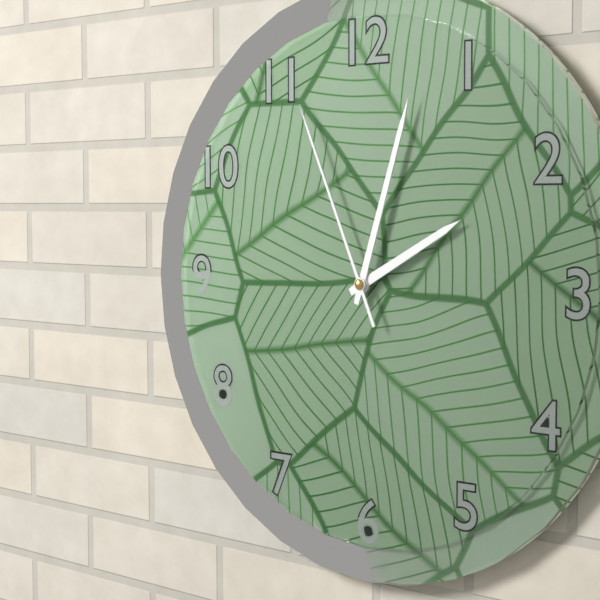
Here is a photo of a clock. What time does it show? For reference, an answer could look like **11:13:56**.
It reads **2:03:56**
